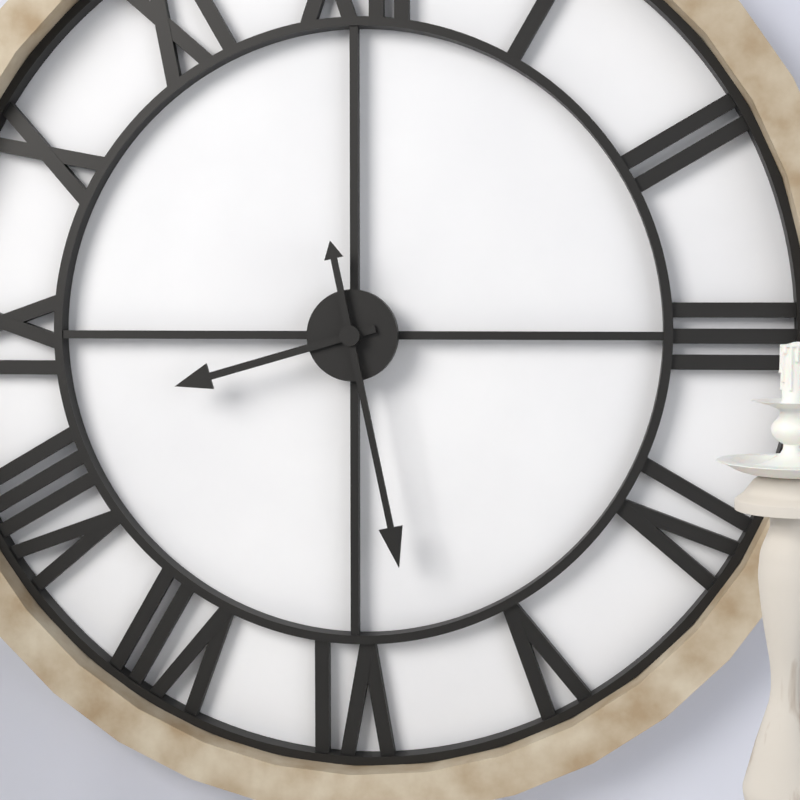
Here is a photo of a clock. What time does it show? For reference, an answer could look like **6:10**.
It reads **8:28**
